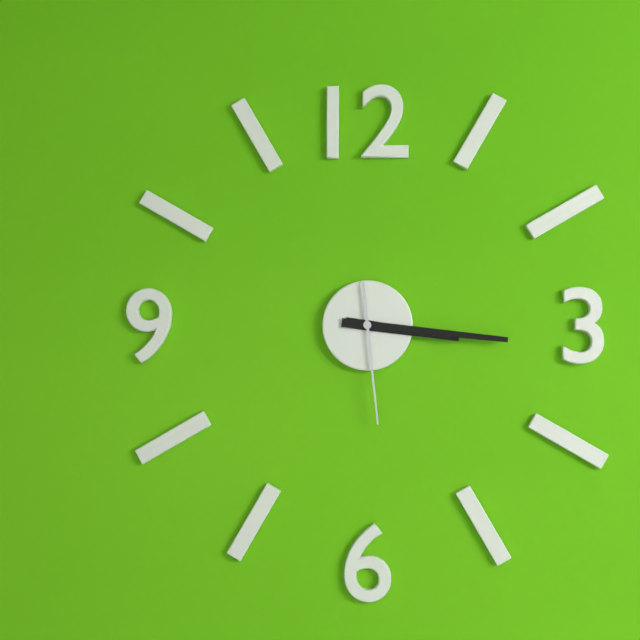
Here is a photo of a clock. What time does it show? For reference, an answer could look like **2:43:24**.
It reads **3:16:29**
